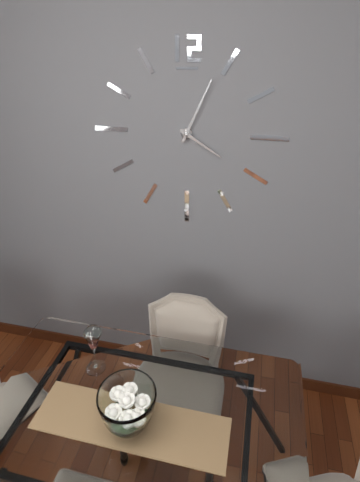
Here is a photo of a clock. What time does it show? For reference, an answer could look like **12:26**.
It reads **4:04**
